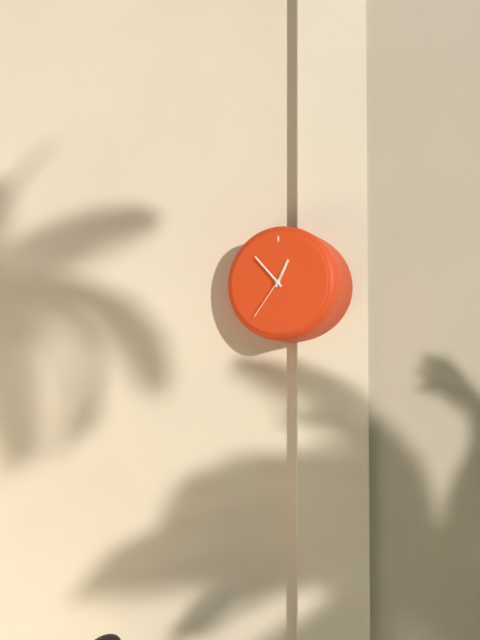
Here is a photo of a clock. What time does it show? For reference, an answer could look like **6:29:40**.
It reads **12:53:36**
